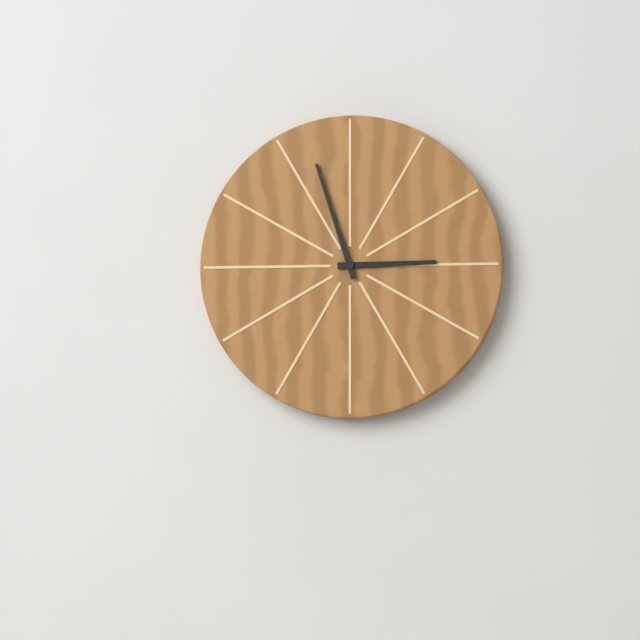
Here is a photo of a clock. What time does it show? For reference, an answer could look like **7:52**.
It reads **2:57**
